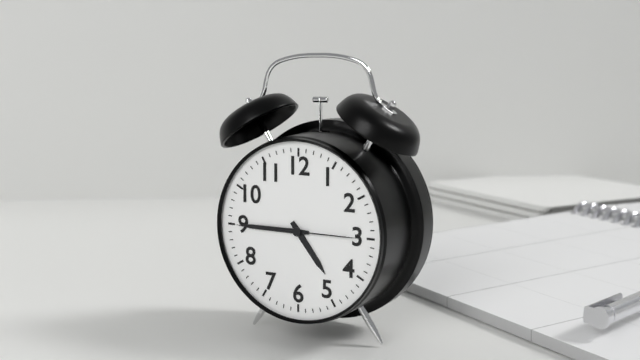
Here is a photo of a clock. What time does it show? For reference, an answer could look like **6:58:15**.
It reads **4:45:15**
